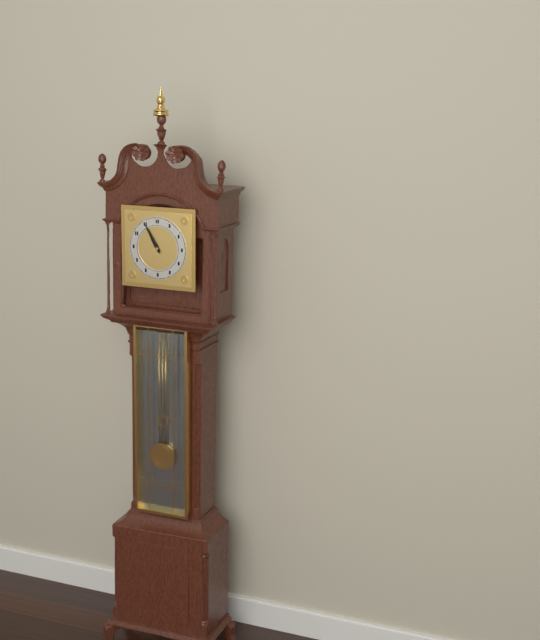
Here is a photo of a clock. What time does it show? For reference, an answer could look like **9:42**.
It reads **10:55**
